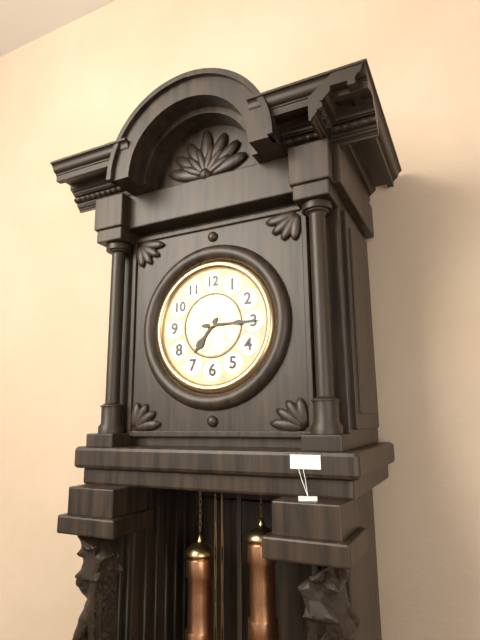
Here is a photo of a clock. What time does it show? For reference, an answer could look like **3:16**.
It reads **7:15**
